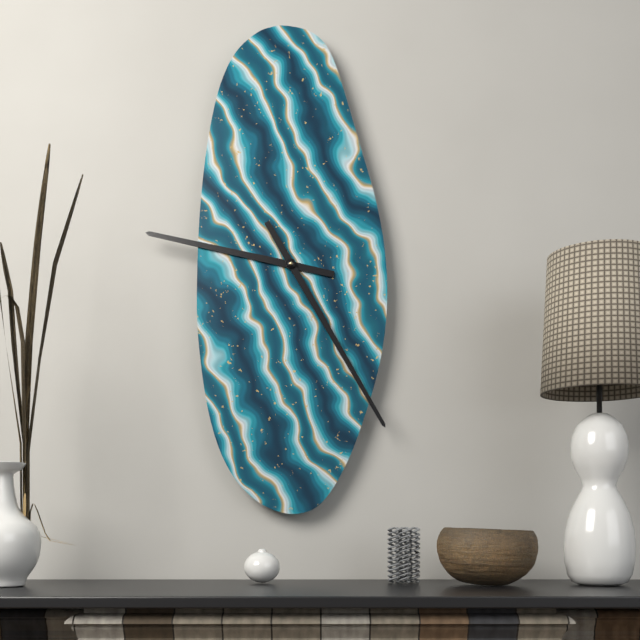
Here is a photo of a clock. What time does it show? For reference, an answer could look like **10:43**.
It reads **9:25**
